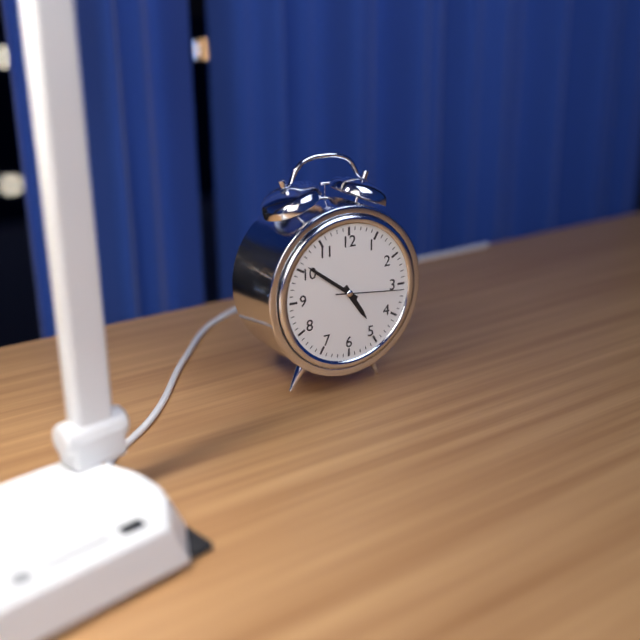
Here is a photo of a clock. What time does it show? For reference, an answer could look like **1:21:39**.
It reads **4:51:16**
